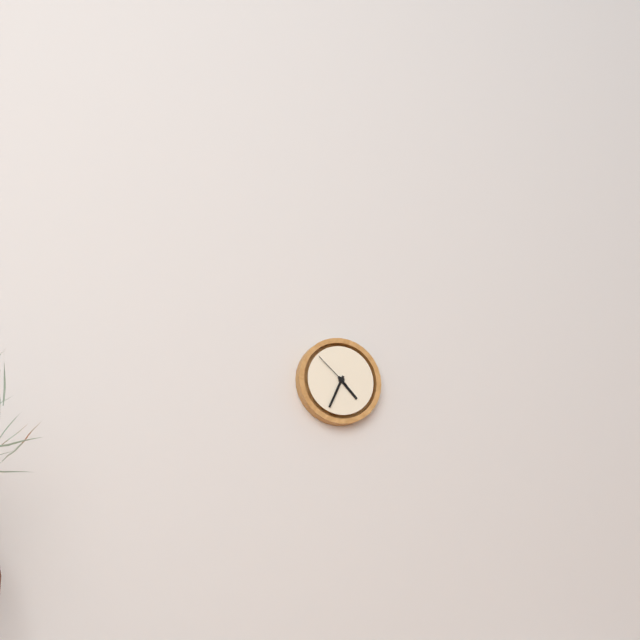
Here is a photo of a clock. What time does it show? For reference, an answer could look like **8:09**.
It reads **4:34**
